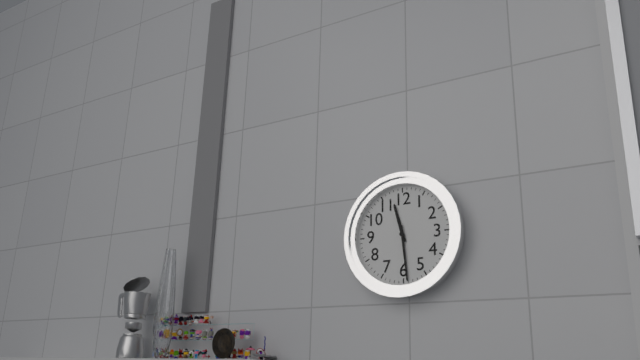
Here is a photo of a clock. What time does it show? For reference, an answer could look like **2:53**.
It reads **11:29**
